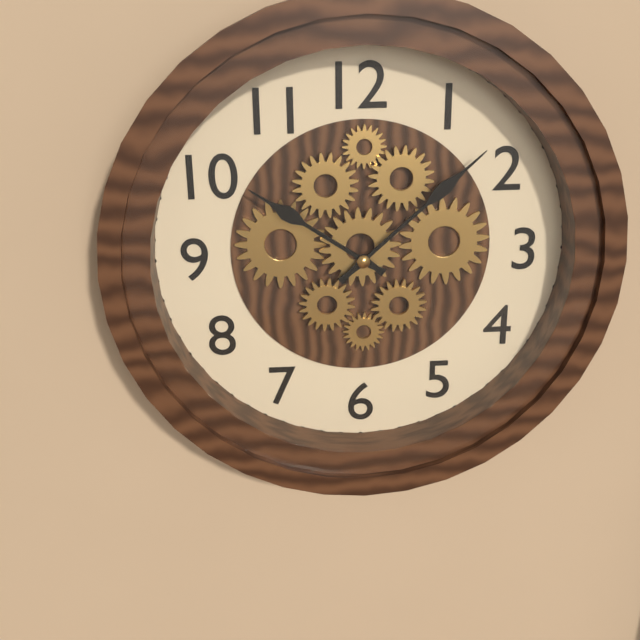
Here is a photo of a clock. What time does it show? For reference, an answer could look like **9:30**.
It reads **10:08**
